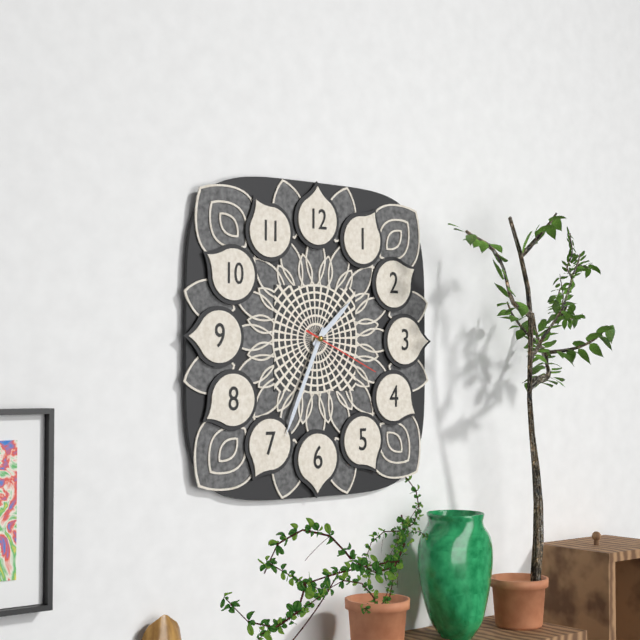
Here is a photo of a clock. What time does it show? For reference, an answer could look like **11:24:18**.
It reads **1:34:19**
